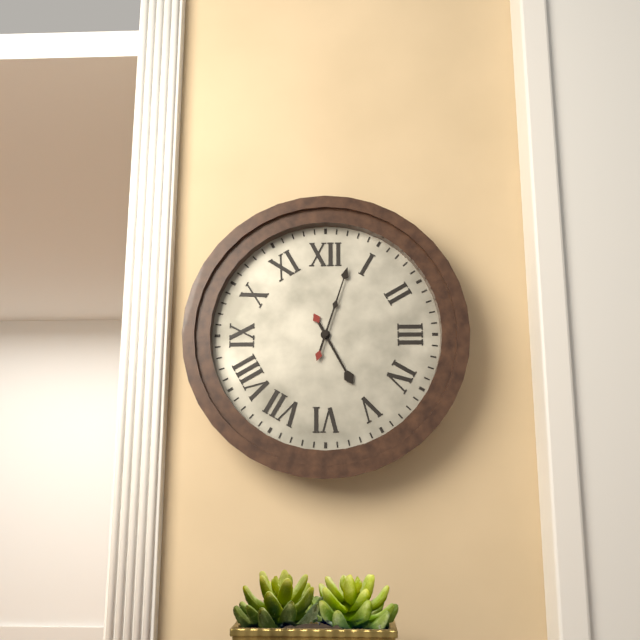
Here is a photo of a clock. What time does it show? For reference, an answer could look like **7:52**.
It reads **5:03**
